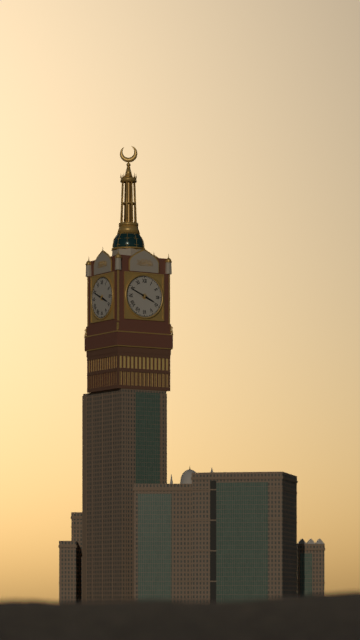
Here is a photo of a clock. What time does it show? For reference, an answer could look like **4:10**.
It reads **3:49**
